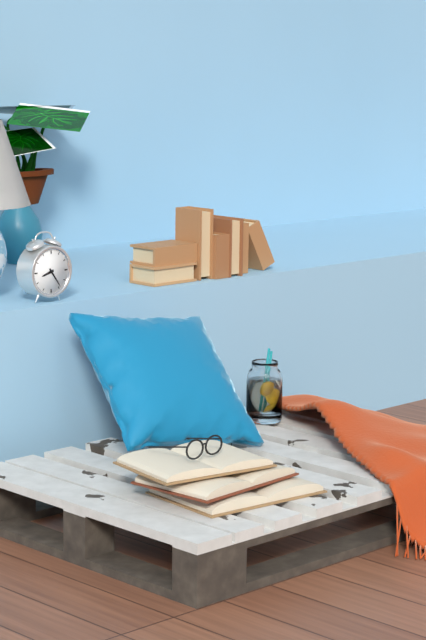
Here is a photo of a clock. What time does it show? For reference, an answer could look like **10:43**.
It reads **8:24**
